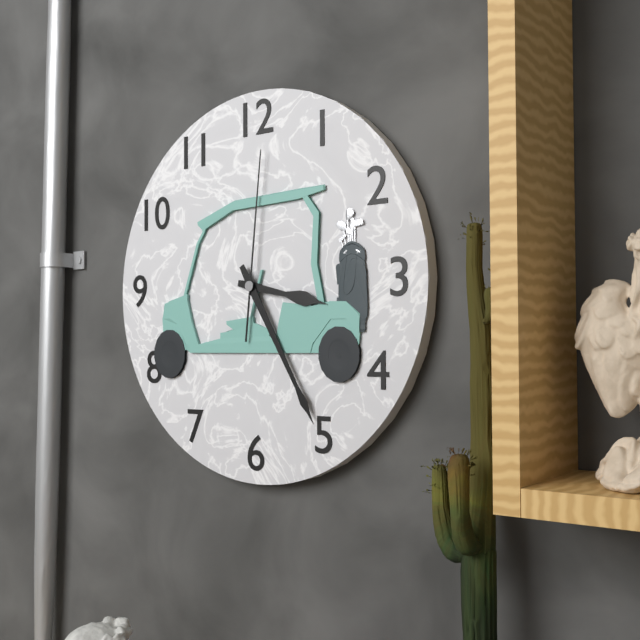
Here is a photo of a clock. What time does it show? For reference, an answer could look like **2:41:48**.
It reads **3:25:01**
